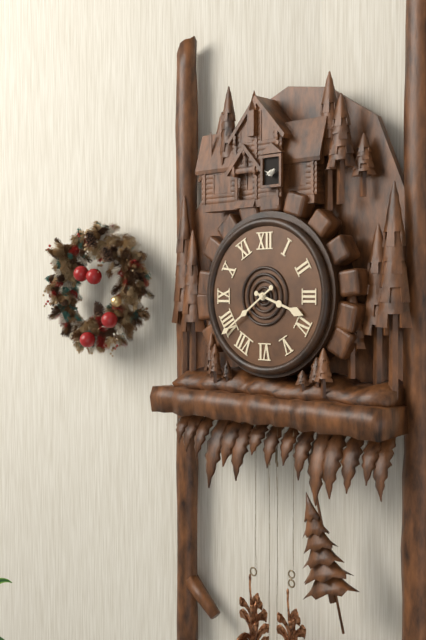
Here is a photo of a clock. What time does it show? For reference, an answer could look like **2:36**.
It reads **3:39**
